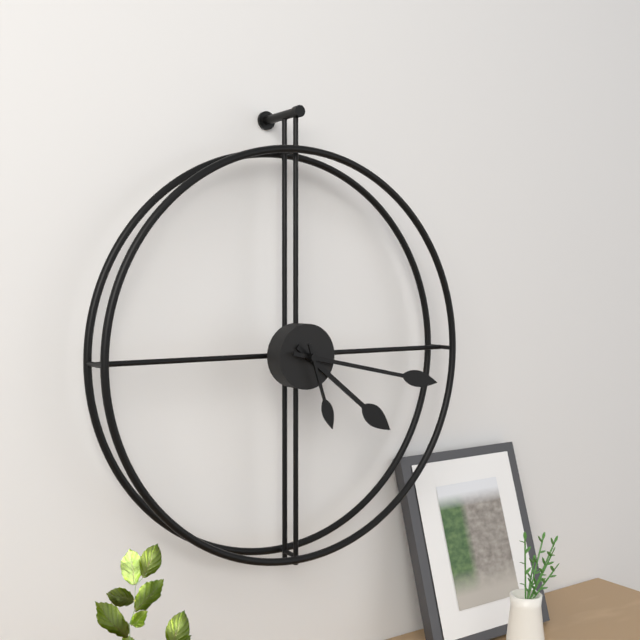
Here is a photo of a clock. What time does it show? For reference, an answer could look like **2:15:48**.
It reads **4:17:27**
